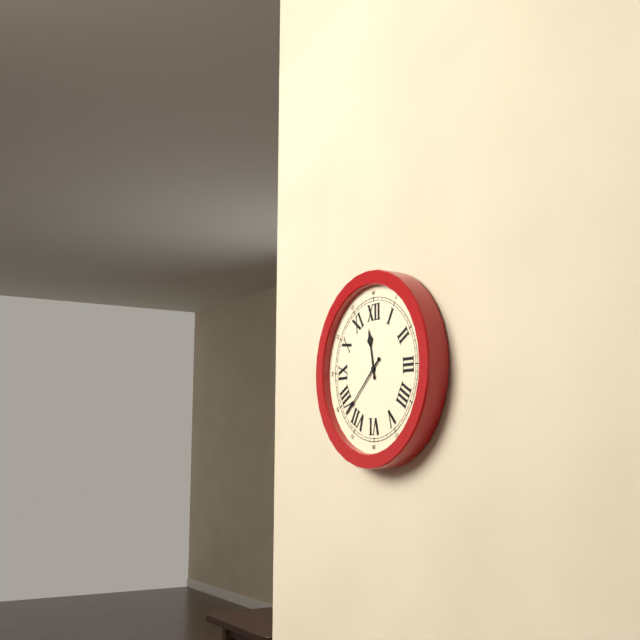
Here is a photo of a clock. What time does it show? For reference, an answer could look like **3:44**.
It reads **11:38**
